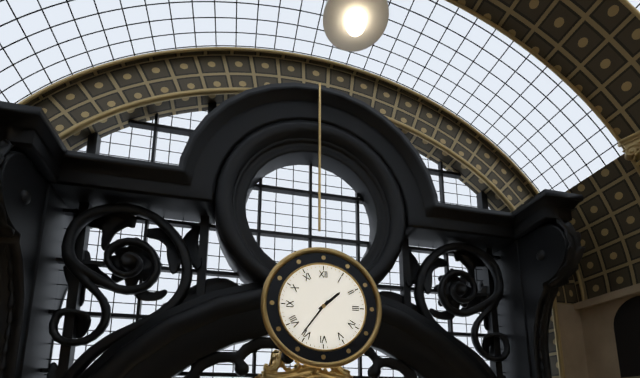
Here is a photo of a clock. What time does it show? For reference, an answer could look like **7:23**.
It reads **1:36**
